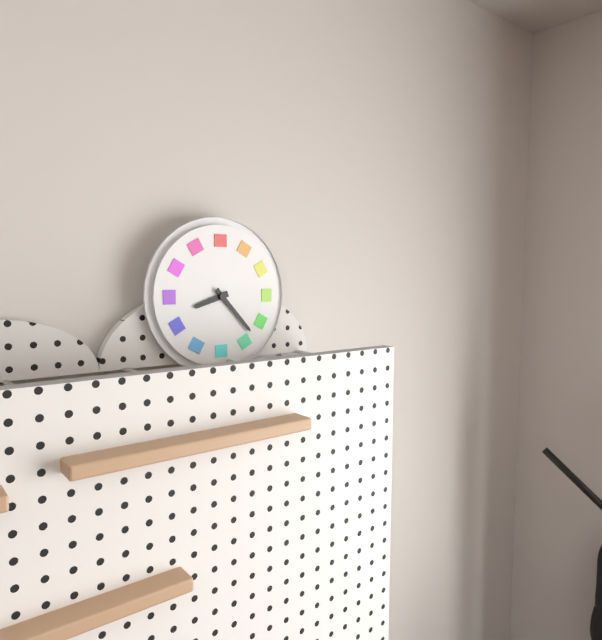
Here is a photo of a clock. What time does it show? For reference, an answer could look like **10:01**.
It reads **8:23**
